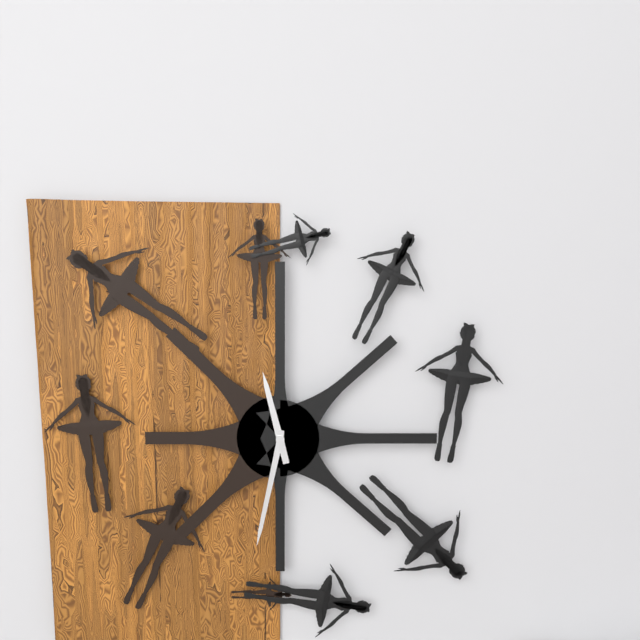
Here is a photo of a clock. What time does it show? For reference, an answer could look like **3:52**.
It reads **11:32**
